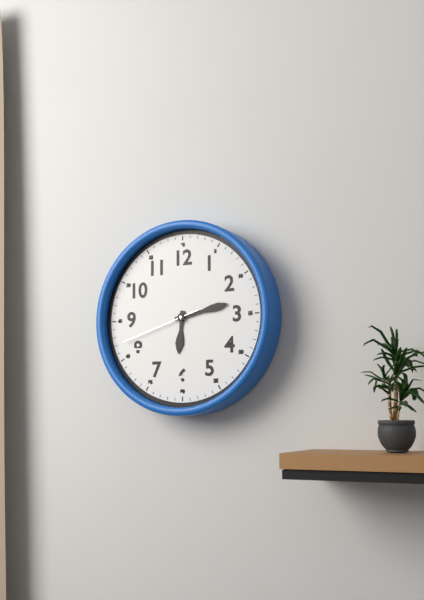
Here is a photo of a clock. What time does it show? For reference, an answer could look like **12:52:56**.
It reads **6:13:42**
